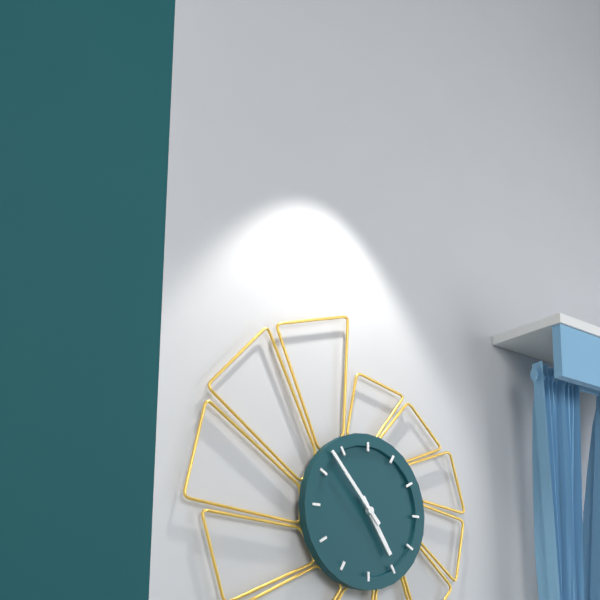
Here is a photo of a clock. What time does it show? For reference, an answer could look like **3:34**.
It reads **4:53**
